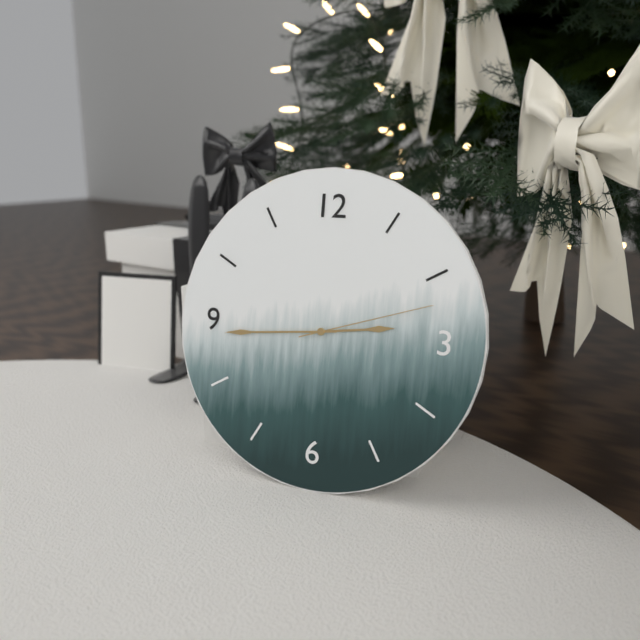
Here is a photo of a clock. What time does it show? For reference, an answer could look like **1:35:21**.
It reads **2:44:12**
